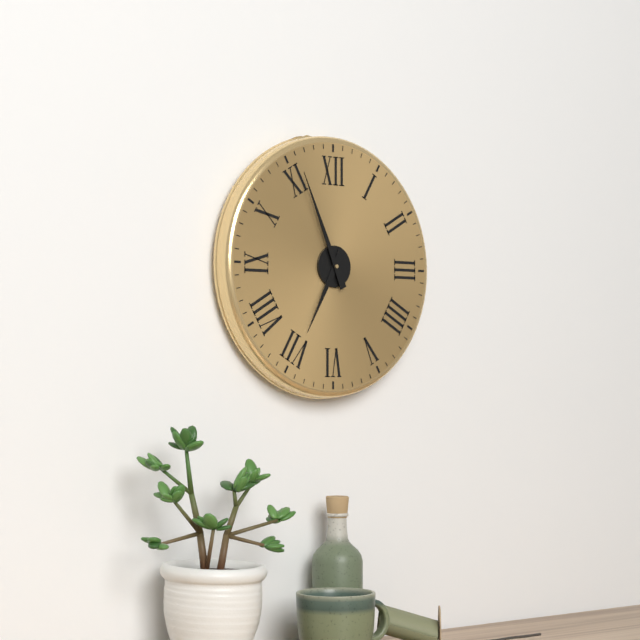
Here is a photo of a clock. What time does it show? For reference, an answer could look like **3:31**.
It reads **6:56**
